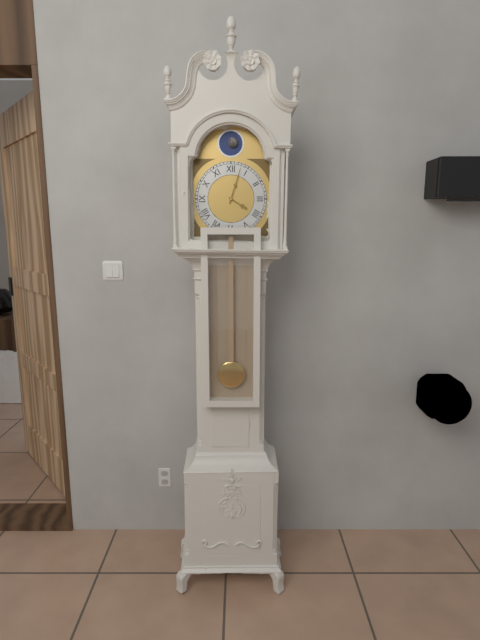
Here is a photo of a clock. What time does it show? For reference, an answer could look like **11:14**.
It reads **4:03**
